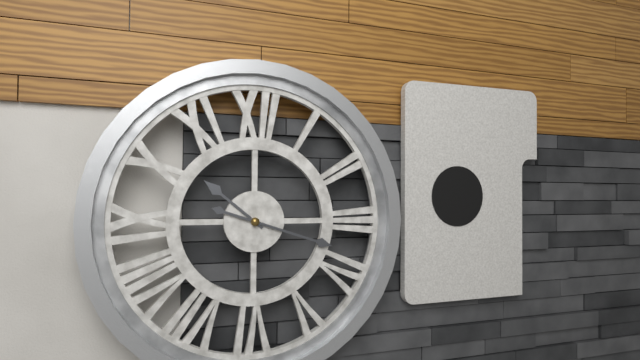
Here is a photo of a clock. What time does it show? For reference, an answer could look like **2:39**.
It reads **10:18**
